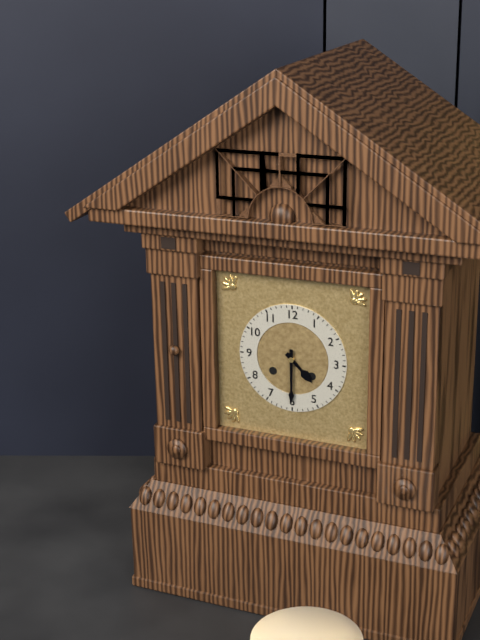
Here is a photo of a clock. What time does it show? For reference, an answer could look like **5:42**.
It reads **4:30**
